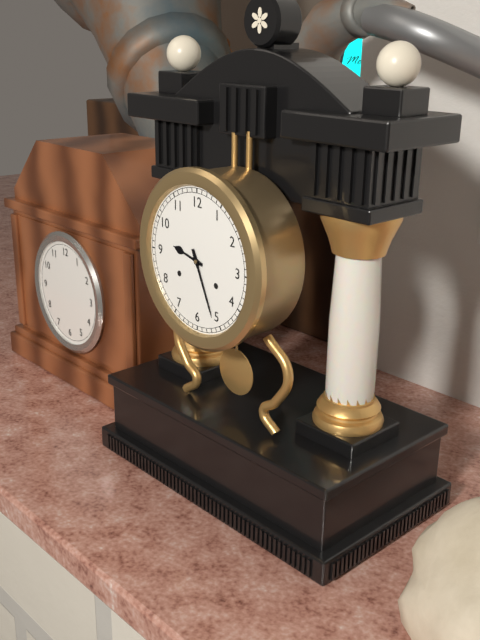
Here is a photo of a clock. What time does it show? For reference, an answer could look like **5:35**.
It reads **9:26**
